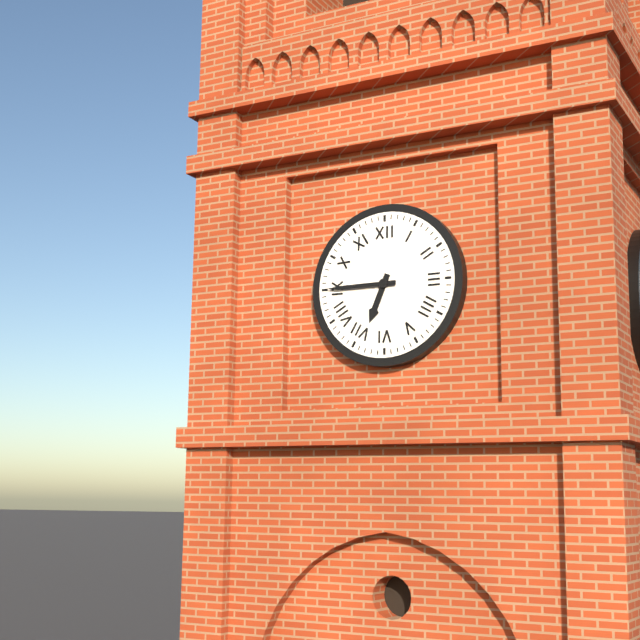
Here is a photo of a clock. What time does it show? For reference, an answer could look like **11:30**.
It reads **6:45**
